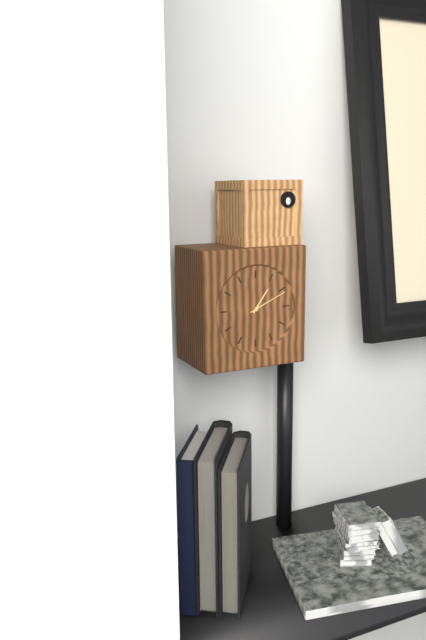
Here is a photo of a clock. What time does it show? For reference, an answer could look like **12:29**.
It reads **1:11**
